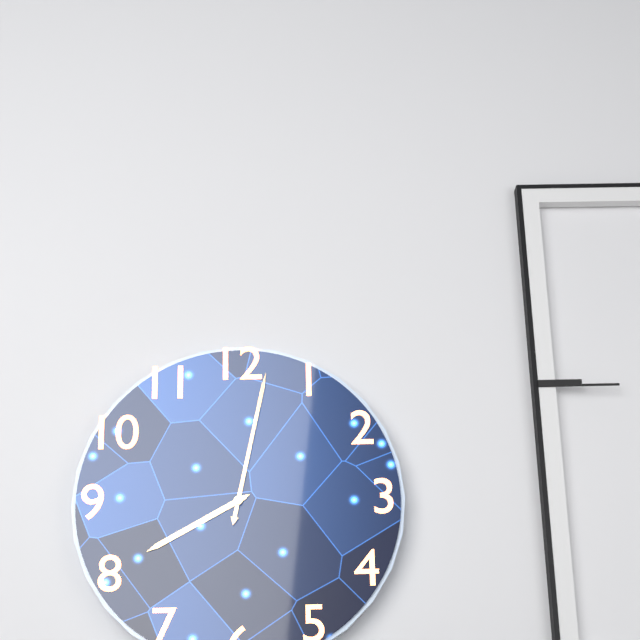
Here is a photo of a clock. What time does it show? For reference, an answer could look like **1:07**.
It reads **8:02**
